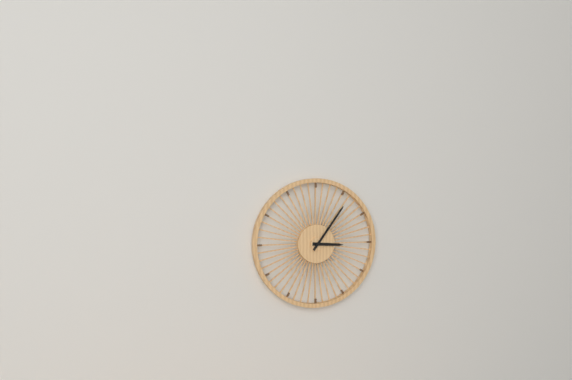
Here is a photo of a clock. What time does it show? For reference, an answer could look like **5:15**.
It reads **3:06**
